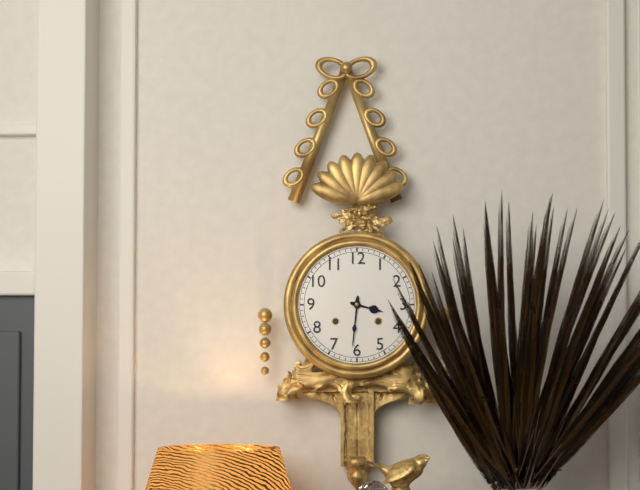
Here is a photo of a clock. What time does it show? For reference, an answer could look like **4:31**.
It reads **3:31**
